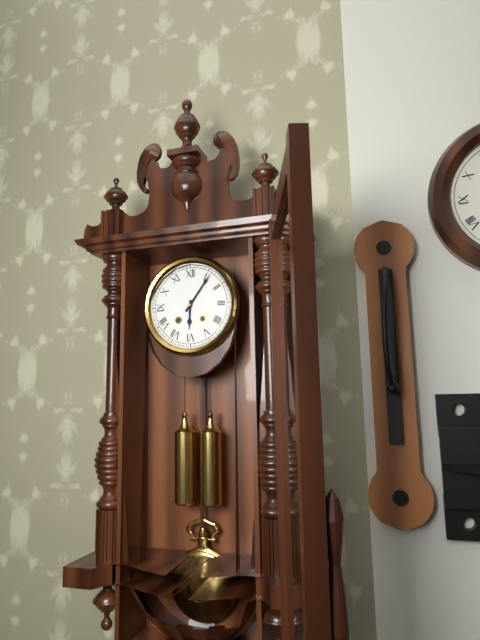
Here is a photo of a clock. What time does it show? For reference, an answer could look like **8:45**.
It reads **6:06**
